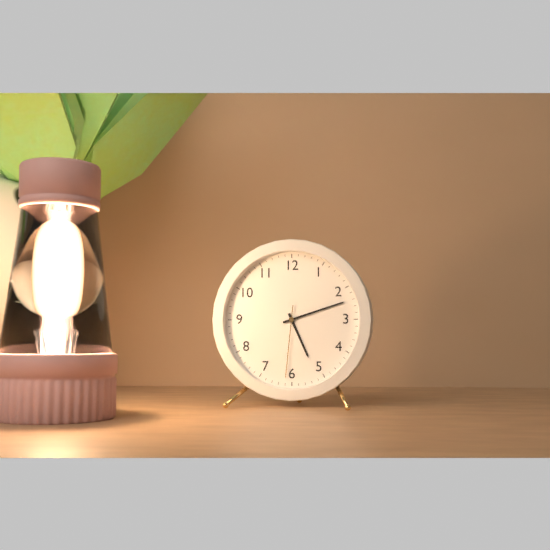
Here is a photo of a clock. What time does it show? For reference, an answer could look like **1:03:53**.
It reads **5:12:31**
